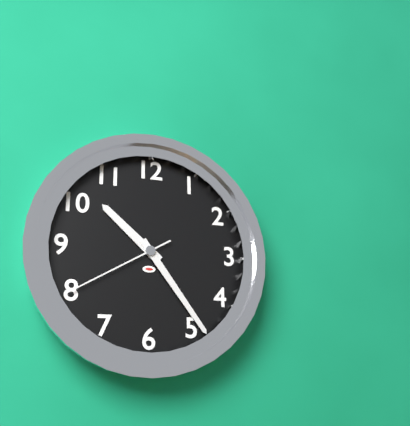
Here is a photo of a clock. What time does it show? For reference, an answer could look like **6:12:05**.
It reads **10:24:40**
